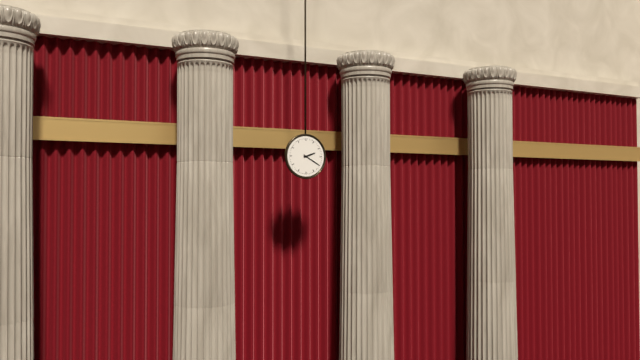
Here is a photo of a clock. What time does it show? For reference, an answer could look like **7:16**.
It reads **2:20**
